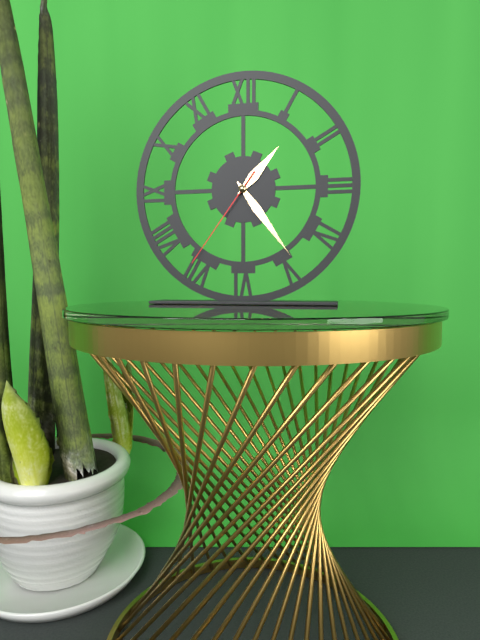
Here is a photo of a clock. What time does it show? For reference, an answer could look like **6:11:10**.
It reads **1:24:36**
